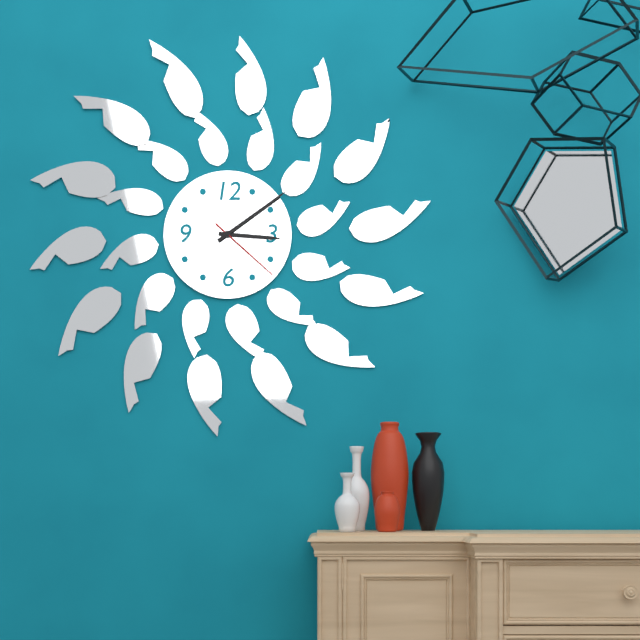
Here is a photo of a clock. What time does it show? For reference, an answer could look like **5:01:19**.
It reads **3:09:22**
